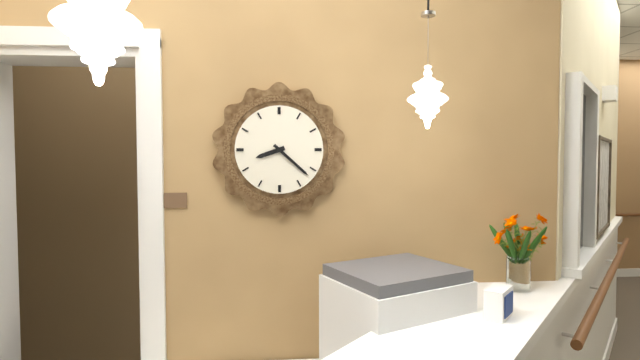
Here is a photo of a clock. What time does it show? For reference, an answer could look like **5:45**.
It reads **8:22**
